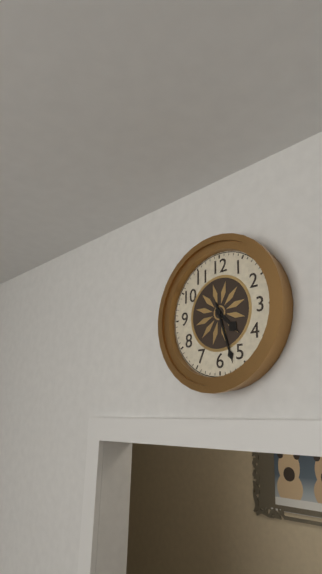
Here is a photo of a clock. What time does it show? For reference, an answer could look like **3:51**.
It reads **4:27**
